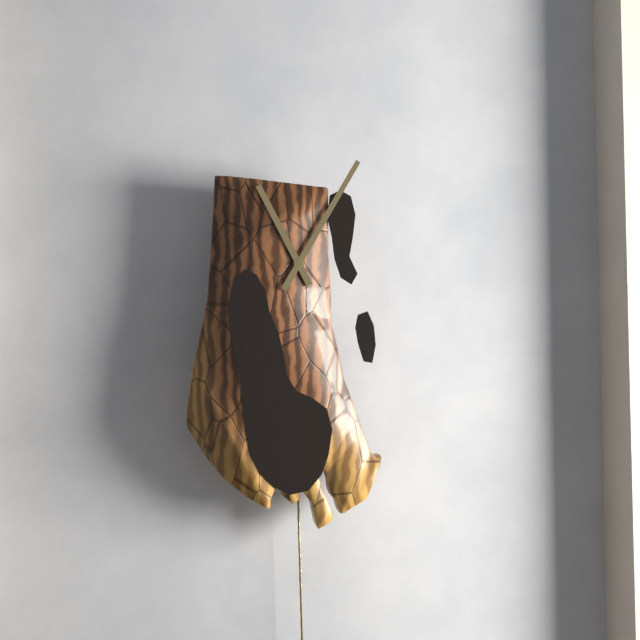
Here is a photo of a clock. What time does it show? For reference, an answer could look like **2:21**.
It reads **11:05**
